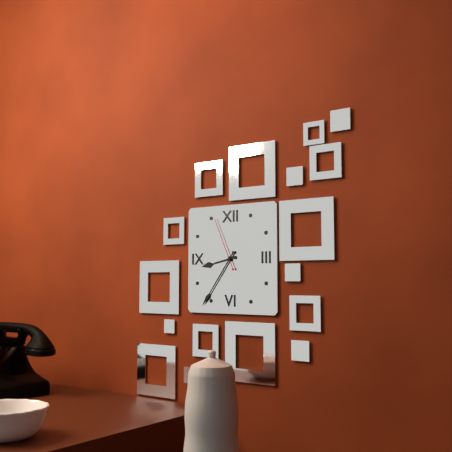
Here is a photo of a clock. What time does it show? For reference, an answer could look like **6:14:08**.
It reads **8:36:56**
